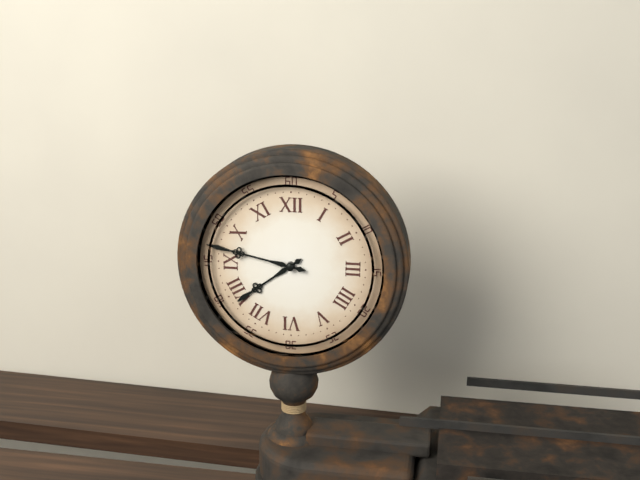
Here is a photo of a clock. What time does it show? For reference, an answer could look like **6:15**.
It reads **7:47**
